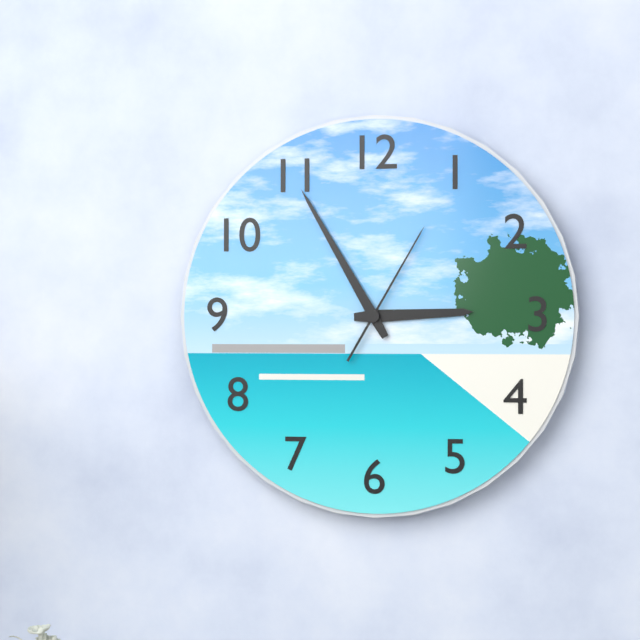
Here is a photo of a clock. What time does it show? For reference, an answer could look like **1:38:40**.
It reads **2:55:05**
